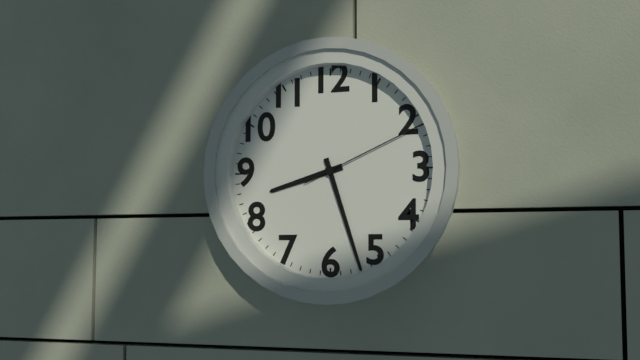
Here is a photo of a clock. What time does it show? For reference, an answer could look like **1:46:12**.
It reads **8:27:11**
